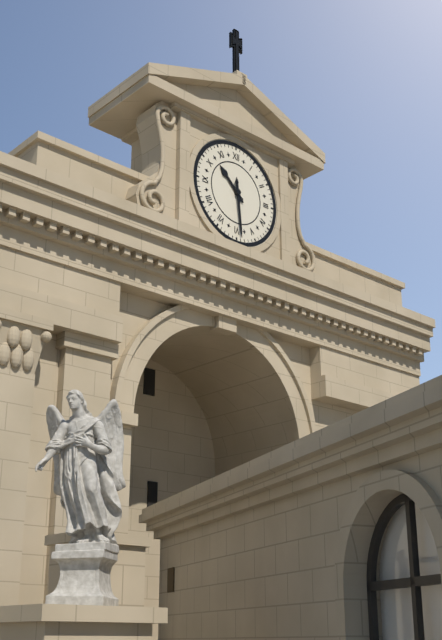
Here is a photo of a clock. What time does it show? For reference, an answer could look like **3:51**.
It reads **10:29**
